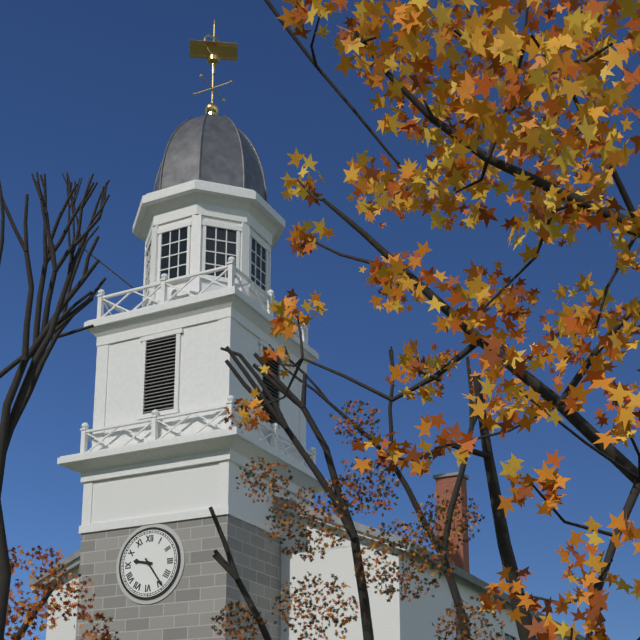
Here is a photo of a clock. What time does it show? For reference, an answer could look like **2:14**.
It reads **9:24**
